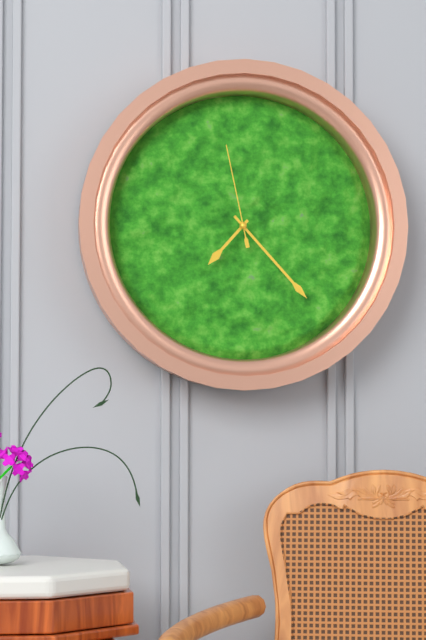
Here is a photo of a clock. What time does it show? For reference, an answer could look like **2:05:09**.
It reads **7:23:58**
